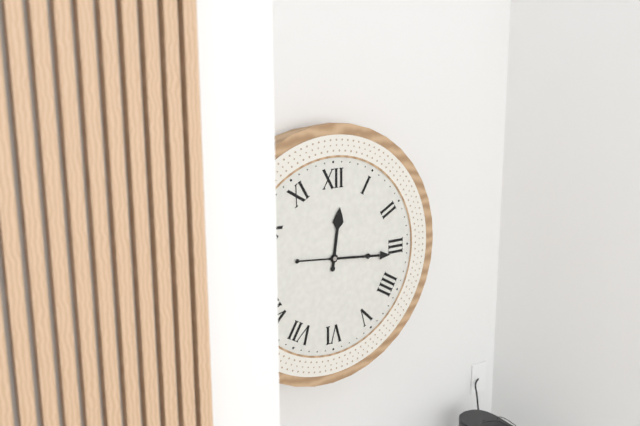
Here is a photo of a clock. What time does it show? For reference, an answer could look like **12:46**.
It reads **12:16**
